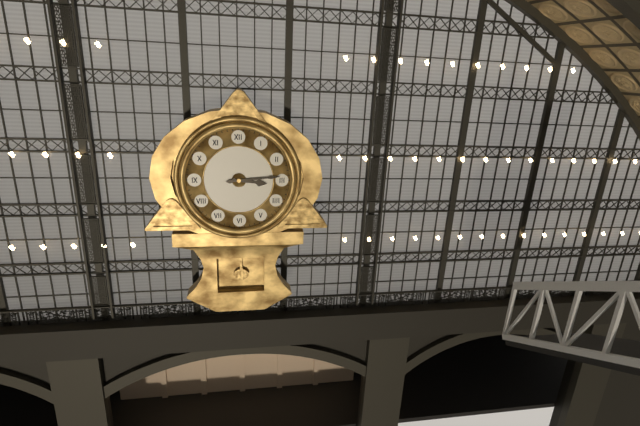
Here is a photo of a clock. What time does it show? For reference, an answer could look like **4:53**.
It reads **3:14**
